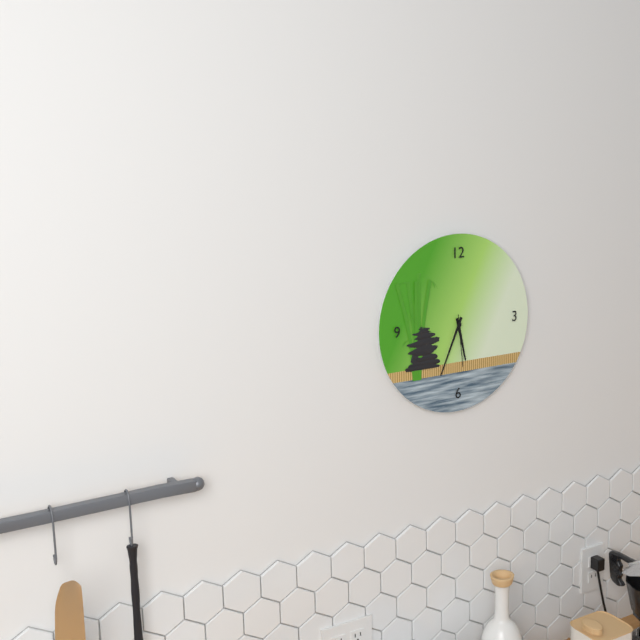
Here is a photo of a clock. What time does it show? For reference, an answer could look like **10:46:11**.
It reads **5:34:29**
